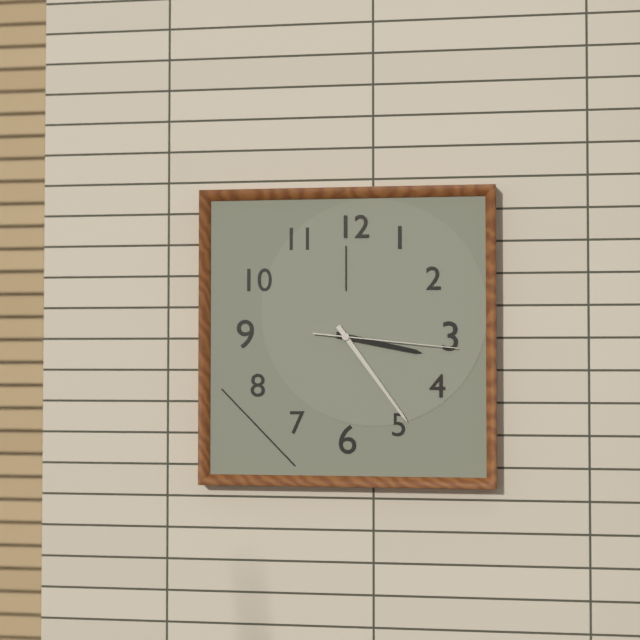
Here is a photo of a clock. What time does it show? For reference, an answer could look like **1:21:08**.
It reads **3:24:16**
